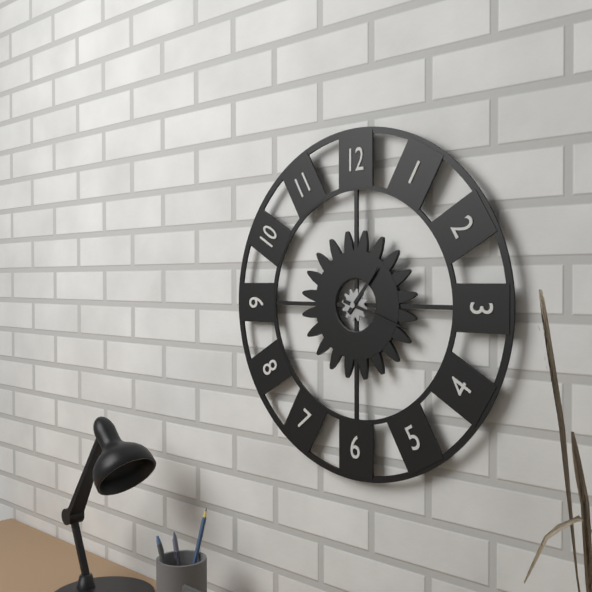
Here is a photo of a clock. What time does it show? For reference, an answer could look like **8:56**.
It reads **1:18**
